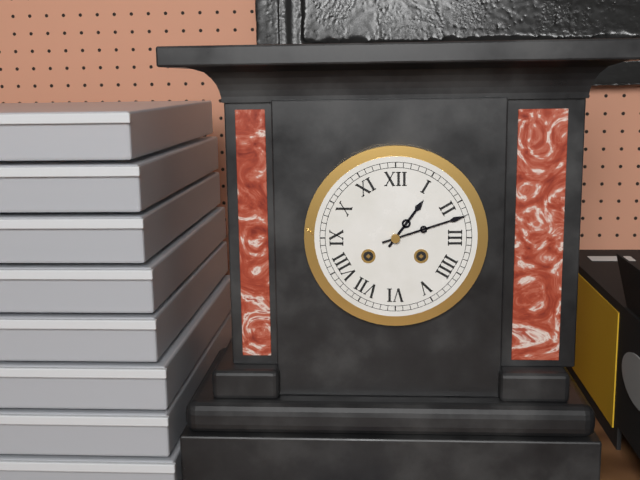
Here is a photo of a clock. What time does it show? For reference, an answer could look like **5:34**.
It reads **1:12**
